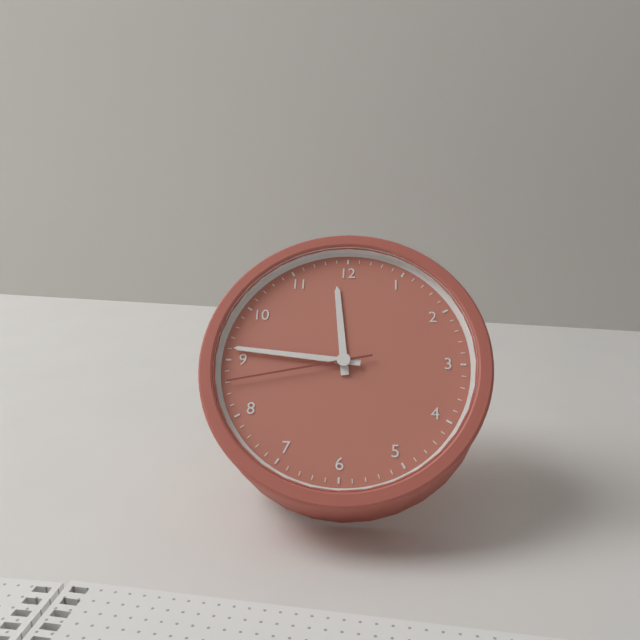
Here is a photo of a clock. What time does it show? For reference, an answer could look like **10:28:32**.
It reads **11:46:43**
